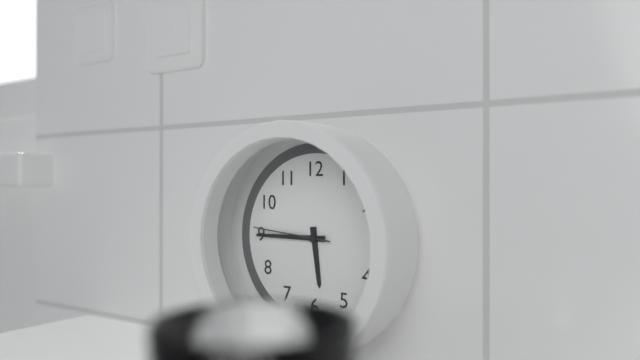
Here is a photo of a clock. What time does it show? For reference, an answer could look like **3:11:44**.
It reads **5:45:46**
